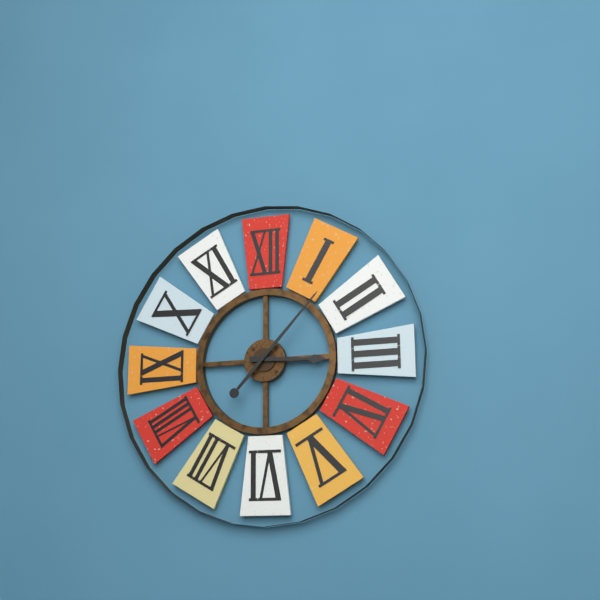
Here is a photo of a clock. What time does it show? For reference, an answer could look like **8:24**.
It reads **3:07**
